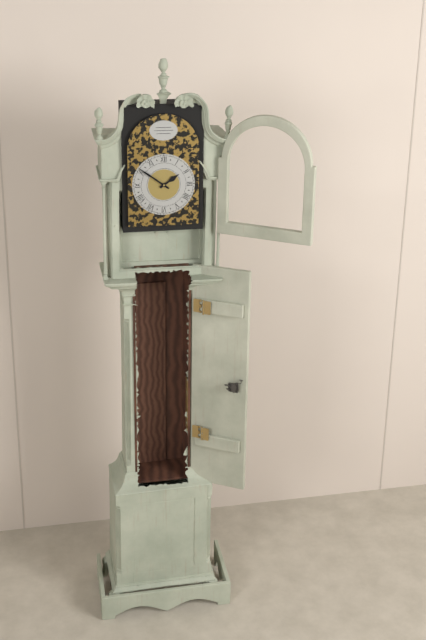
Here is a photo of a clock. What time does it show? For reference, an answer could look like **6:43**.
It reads **1:51**
